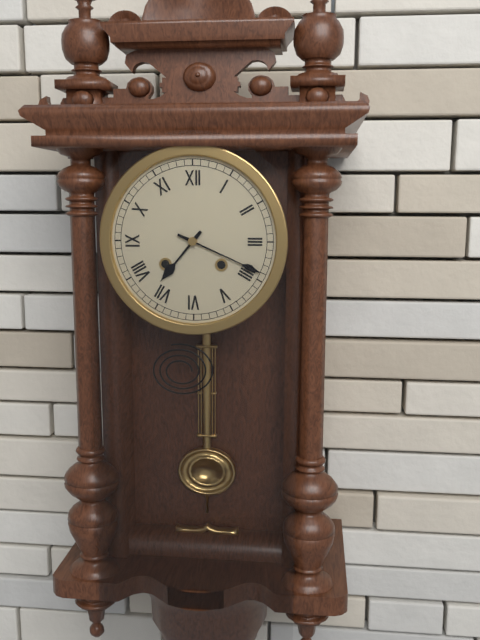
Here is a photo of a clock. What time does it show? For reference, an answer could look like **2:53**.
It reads **7:19**
